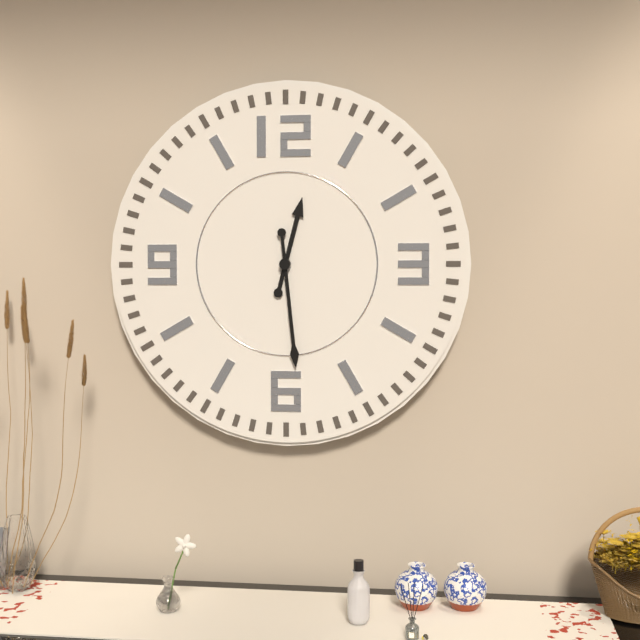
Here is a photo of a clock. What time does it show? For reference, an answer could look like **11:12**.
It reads **12:29**
